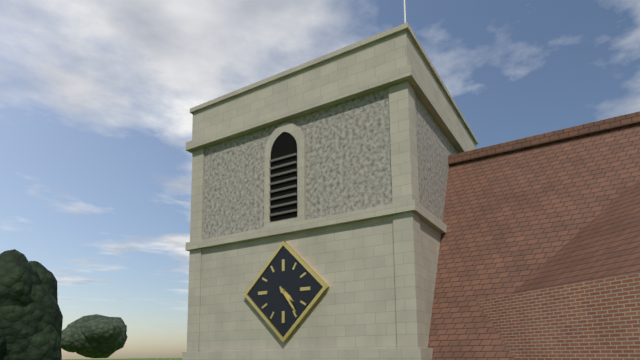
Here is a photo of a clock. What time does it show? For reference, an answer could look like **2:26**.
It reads **4:24**
